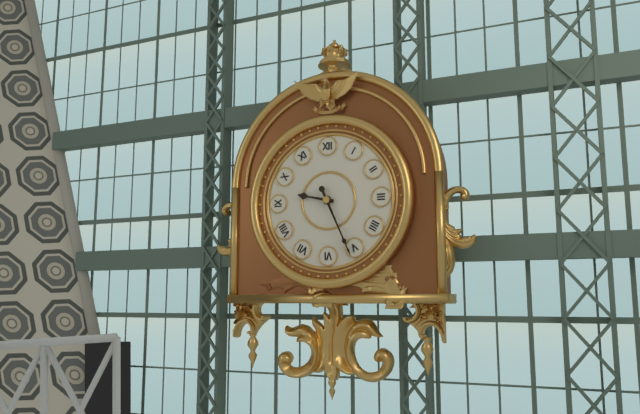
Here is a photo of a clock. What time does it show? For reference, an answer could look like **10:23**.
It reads **9:26**
